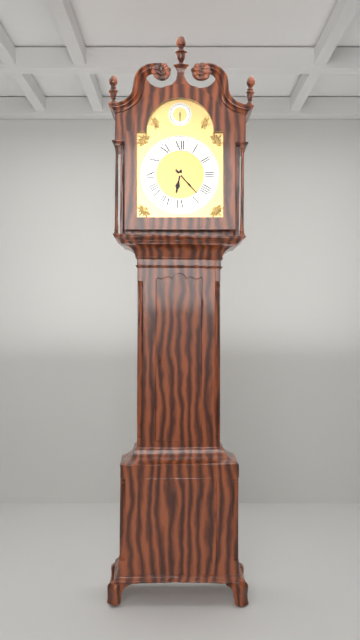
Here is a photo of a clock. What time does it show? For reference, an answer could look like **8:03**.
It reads **6:23**
